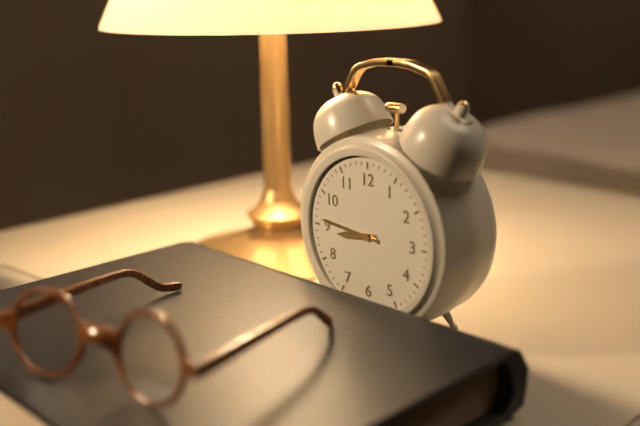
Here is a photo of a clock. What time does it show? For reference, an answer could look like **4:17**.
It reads **8:46**
